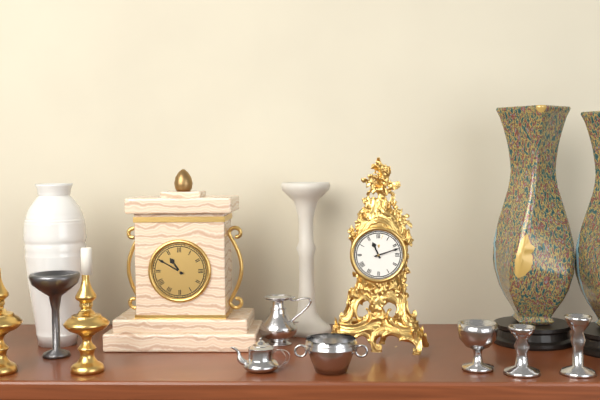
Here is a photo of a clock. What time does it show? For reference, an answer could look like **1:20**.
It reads **11:12**
